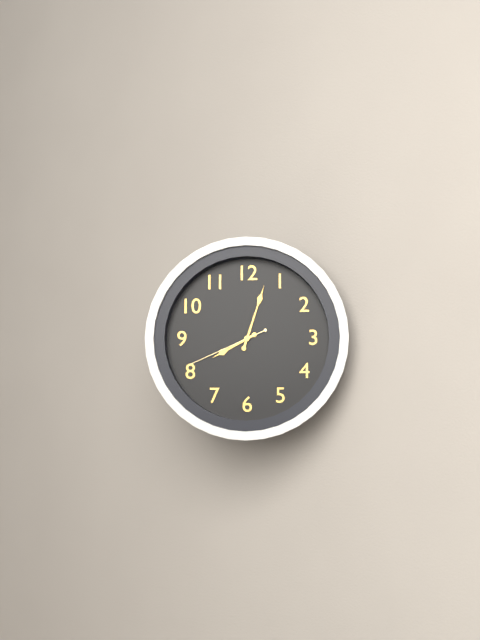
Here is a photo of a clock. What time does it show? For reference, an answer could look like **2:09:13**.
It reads **8:03:41**
